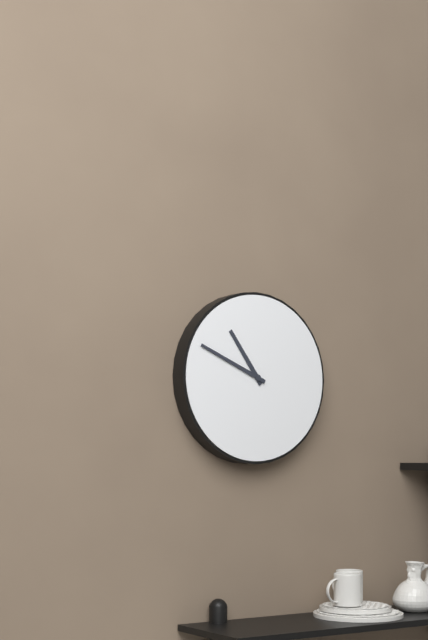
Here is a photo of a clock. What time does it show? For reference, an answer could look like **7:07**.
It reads **10:49**
